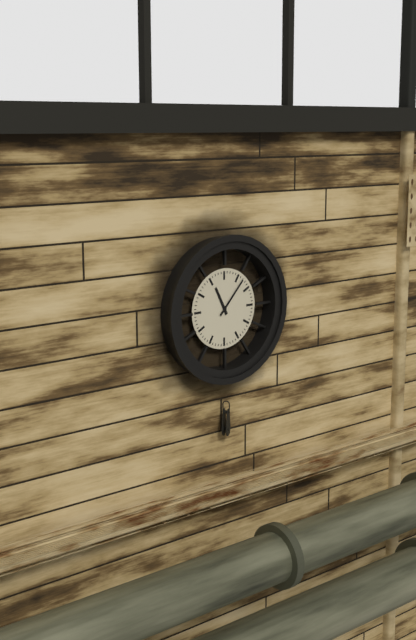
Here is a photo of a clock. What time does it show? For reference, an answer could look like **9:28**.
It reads **11:07**
